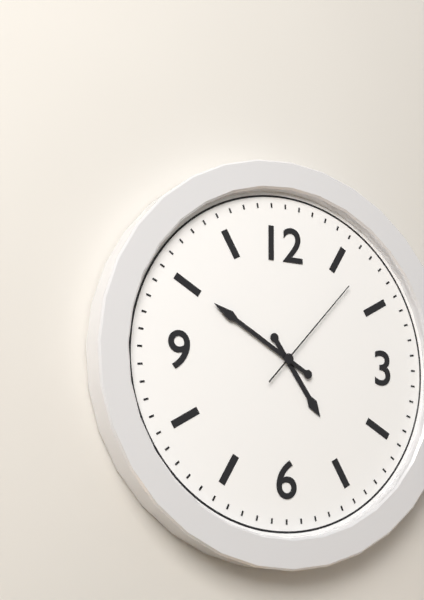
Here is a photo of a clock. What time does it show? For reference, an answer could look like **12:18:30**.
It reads **4:50:07**
